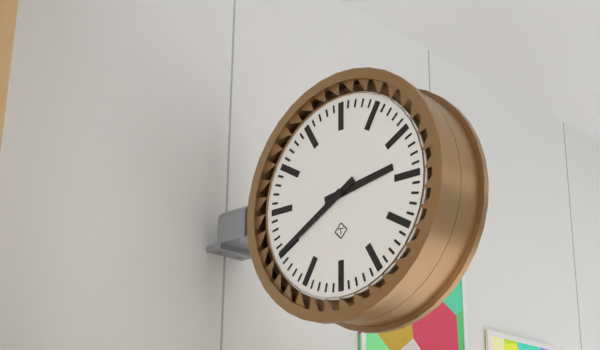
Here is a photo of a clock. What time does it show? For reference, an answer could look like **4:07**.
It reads **2:40**
